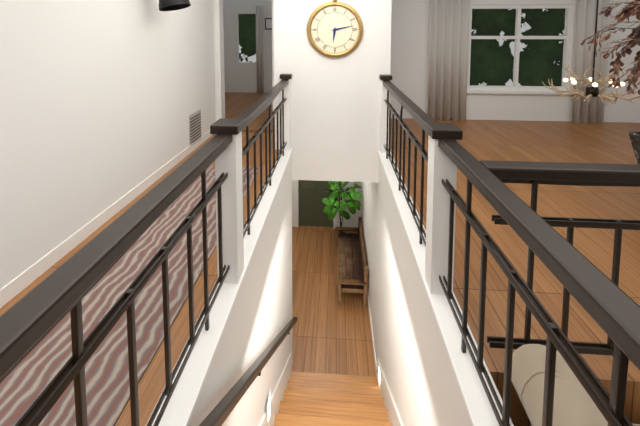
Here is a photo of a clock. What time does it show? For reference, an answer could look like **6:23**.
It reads **6:13**
